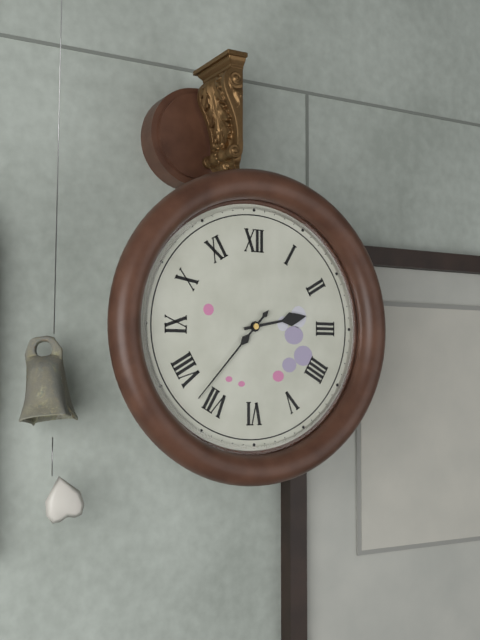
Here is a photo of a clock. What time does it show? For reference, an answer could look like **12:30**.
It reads **2:37**
